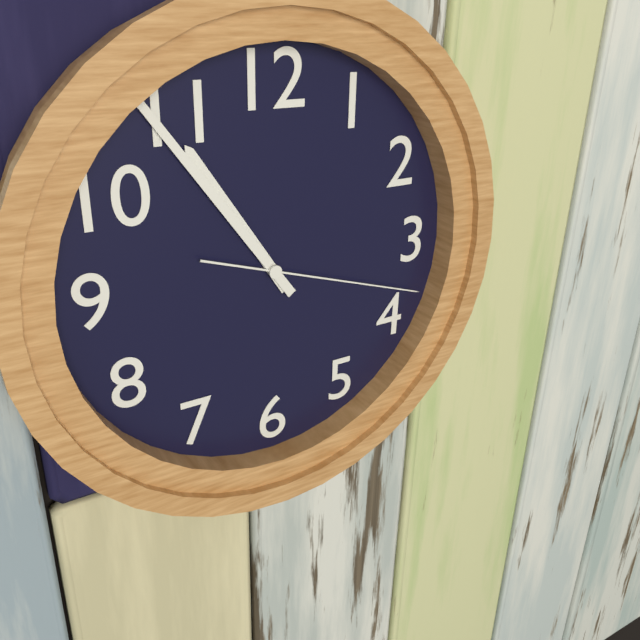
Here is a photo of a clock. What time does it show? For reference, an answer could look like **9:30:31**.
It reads **10:54:18**
